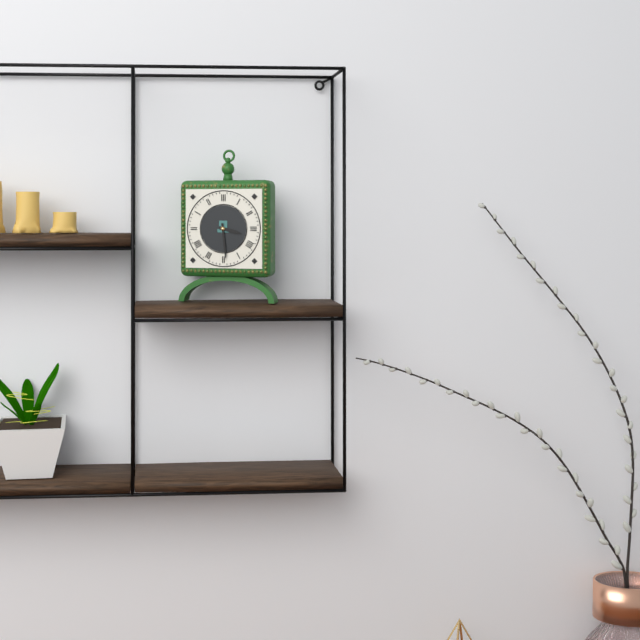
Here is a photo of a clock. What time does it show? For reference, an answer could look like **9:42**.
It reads **3:29**
